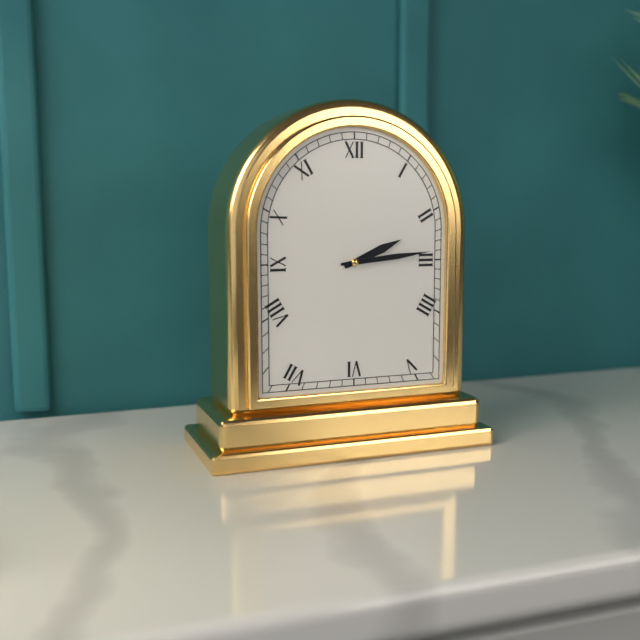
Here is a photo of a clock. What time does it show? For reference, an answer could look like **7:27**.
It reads **2:14**
